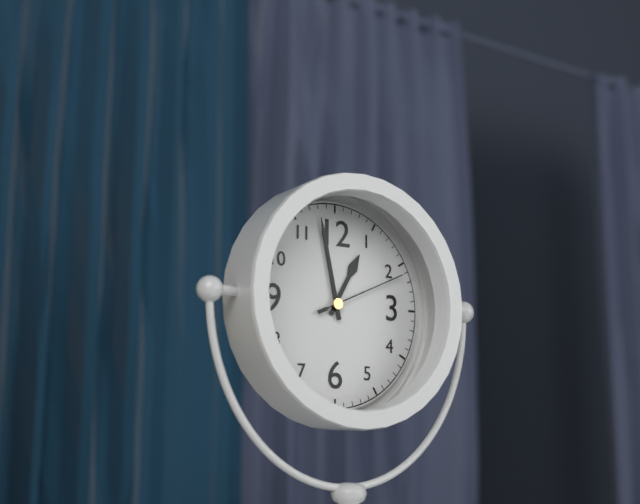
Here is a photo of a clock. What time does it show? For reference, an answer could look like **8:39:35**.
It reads **12:58:11**
